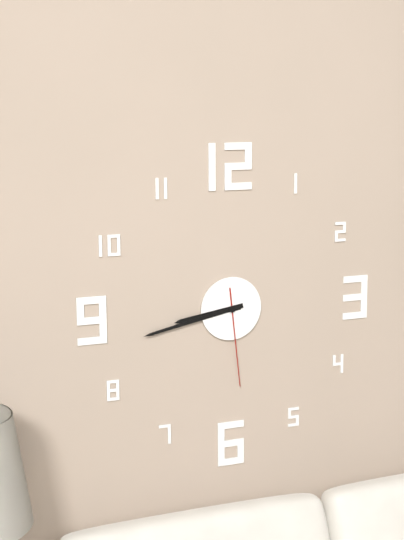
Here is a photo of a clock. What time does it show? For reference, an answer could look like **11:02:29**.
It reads **8:43:29**
